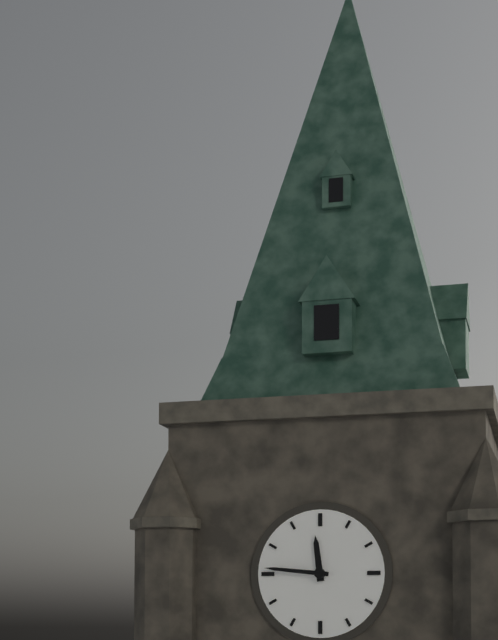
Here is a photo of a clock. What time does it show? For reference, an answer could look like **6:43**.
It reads **11:46**
